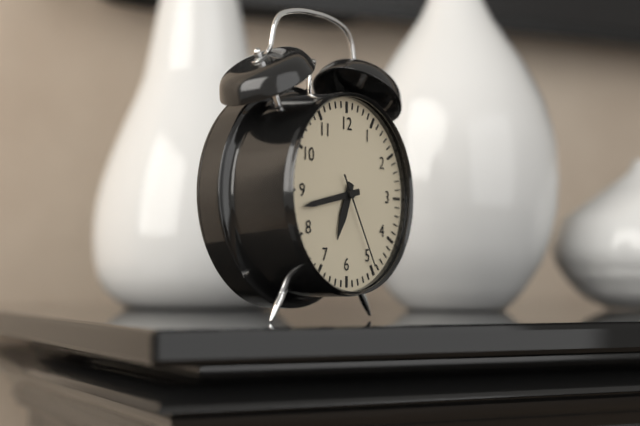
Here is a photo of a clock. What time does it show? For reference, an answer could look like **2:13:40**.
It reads **6:43:25**
